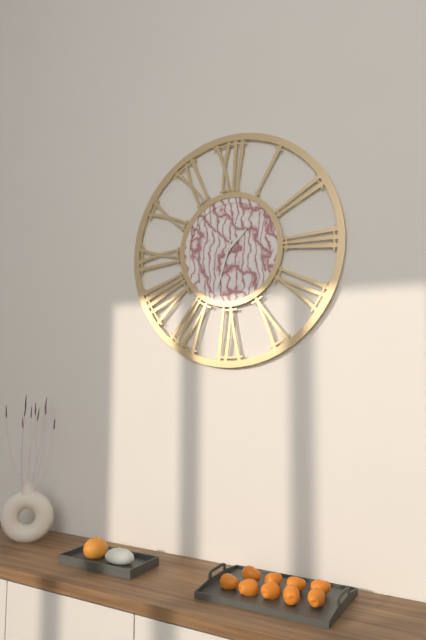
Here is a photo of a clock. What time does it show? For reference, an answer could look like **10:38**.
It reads **1:33**
